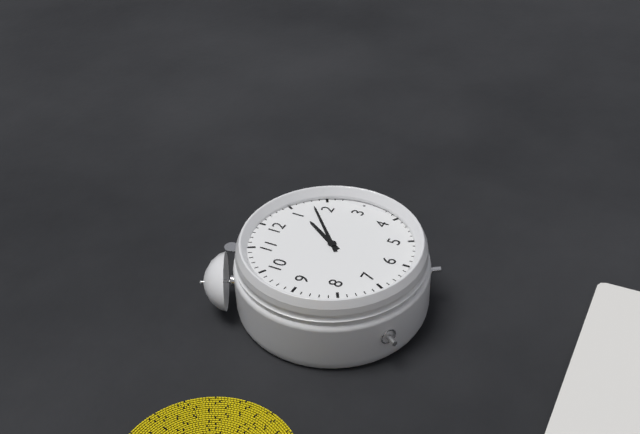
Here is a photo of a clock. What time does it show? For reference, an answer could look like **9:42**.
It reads **1:08**
